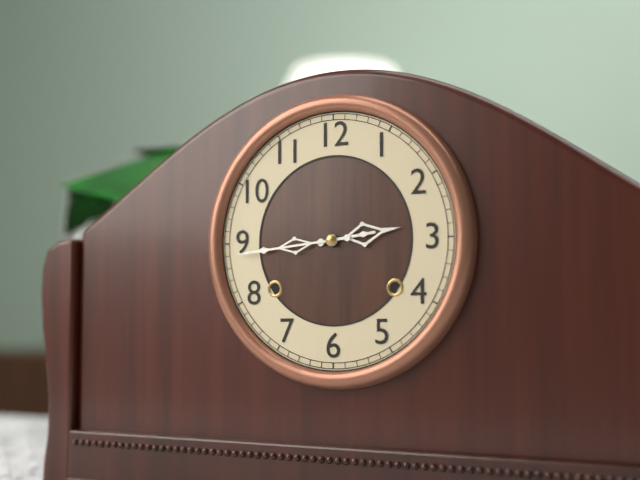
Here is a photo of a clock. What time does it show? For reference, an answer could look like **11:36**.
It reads **2:44**
